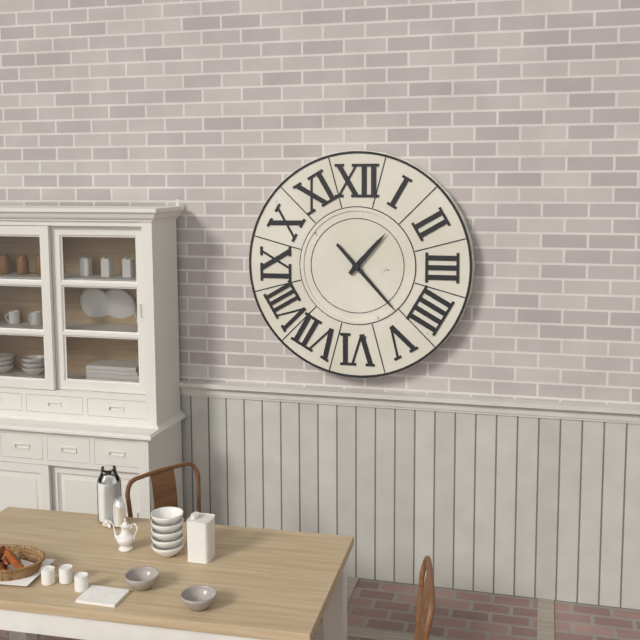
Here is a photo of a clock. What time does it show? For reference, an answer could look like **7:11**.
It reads **1:23**
